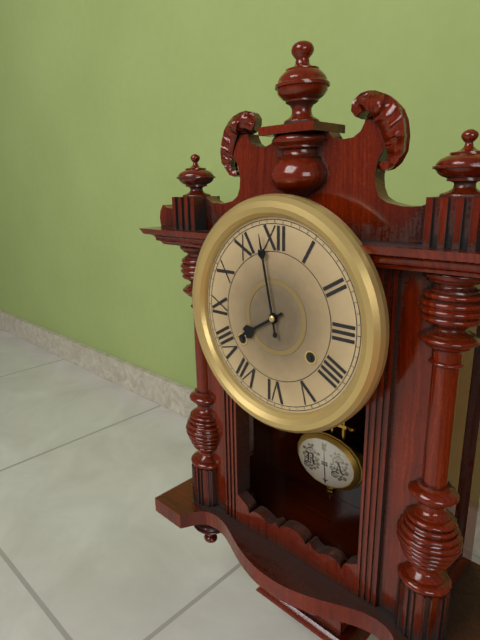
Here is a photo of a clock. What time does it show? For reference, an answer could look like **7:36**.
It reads **7:58**
